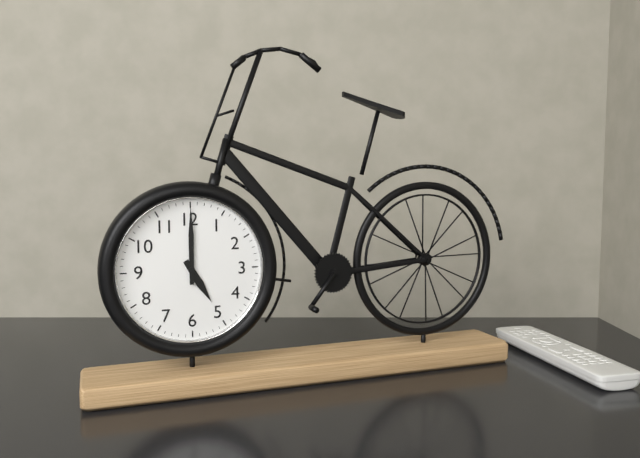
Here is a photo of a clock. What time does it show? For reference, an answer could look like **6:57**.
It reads **5:00**
